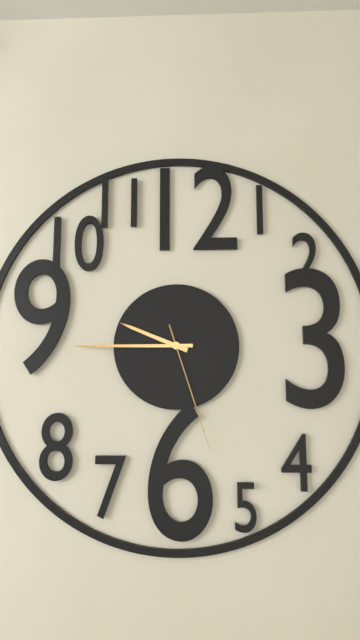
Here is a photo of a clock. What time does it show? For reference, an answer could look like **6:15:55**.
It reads **9:45:27**
